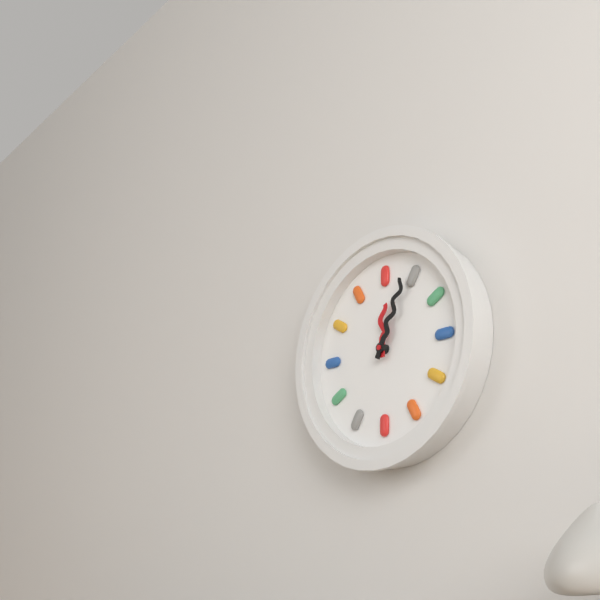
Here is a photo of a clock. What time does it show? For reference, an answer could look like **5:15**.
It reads **12:04**
